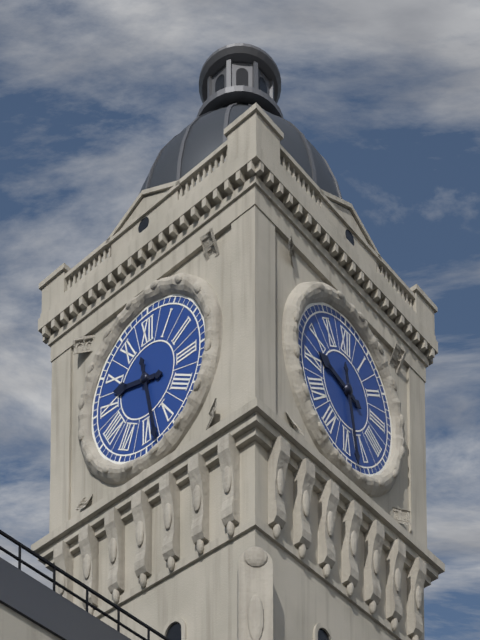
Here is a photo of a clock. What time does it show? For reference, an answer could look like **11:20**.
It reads **9:28**
